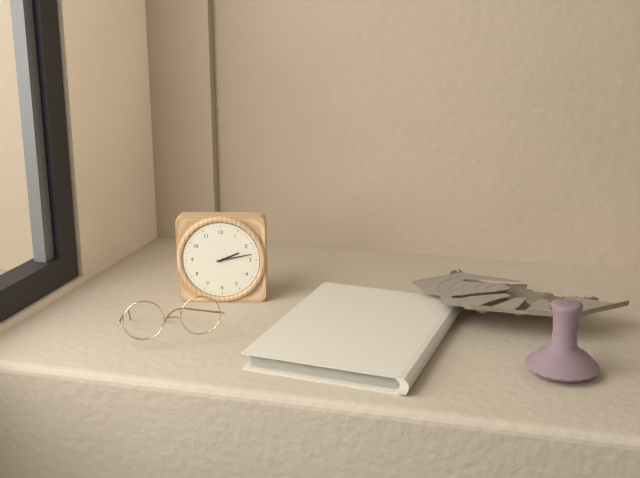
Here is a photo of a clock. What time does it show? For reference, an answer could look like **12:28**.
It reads **2:13**
